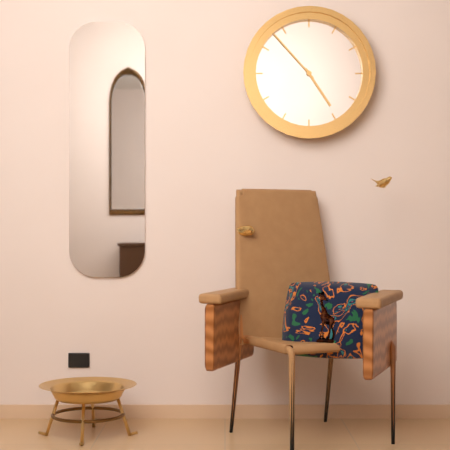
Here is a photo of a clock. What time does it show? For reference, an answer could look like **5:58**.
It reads **4:53**
